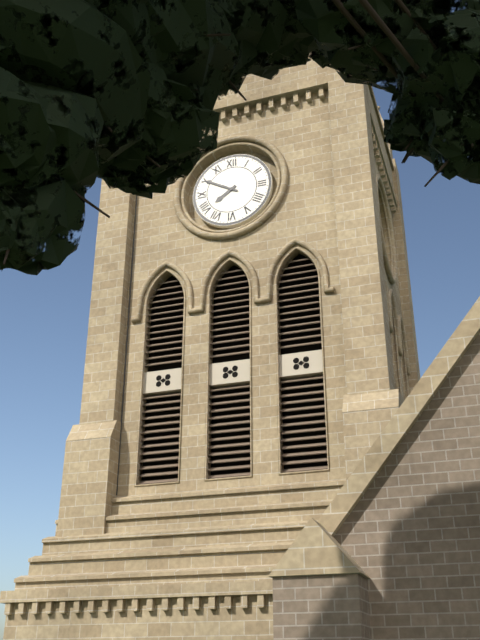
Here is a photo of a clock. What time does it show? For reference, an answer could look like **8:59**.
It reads **7:50**
